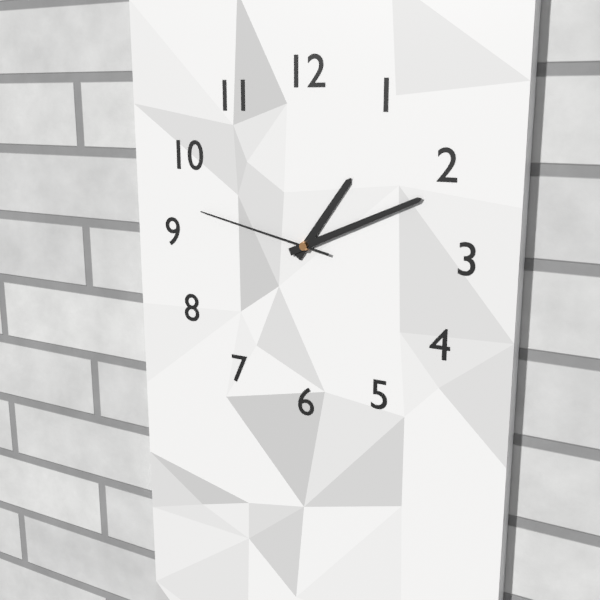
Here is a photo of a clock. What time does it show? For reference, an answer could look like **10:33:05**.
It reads **1:11:47**
